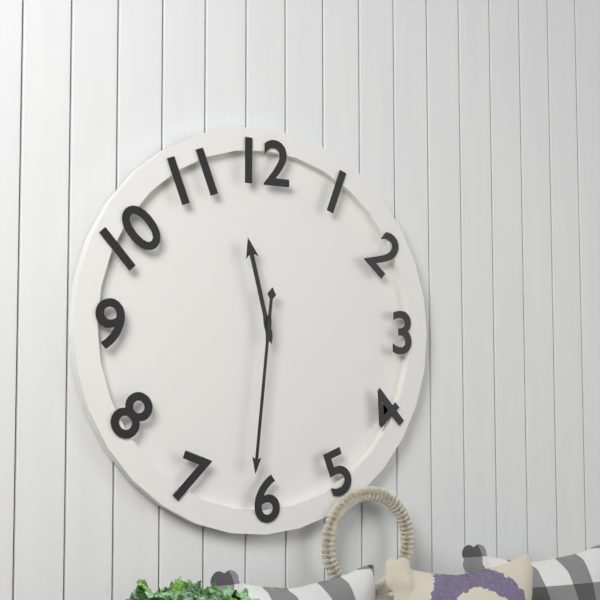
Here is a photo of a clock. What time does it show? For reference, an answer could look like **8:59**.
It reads **11:31**
